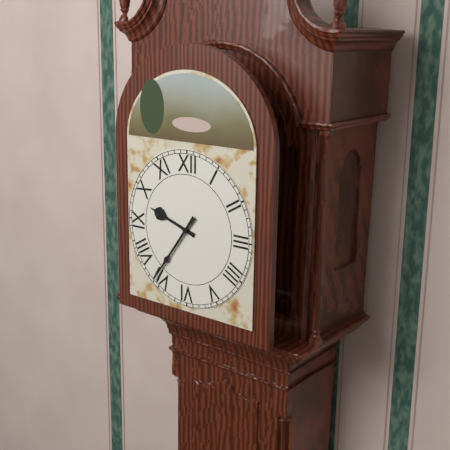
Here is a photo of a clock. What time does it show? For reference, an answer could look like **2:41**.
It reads **9:36**
